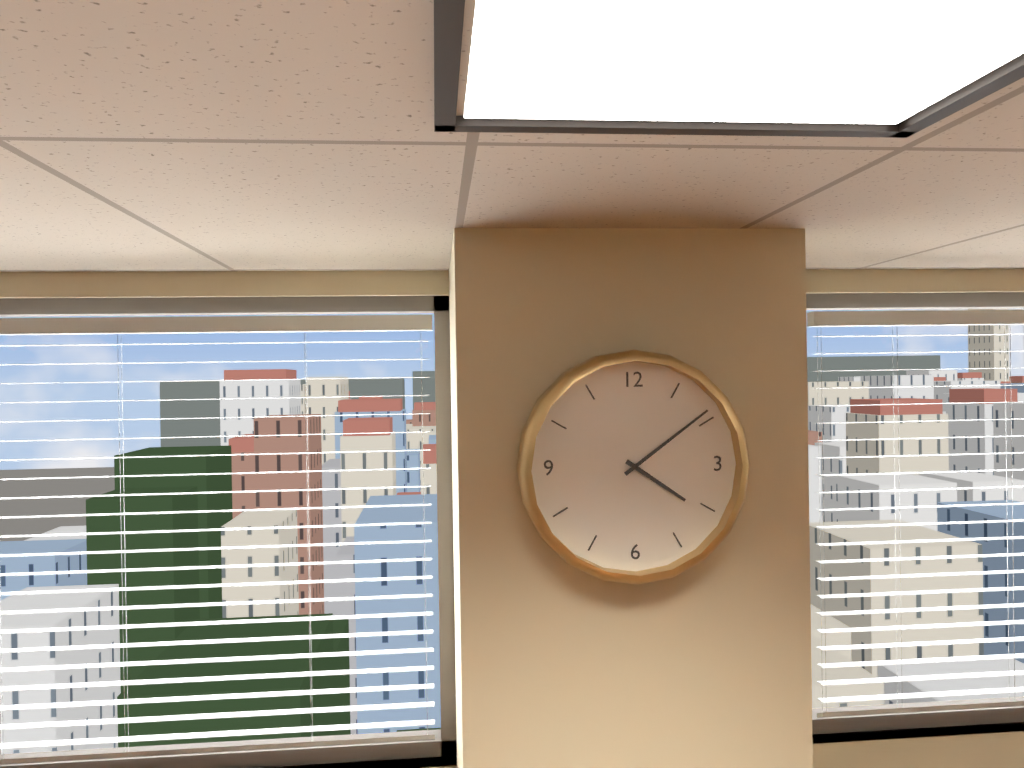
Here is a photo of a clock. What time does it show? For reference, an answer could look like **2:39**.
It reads **4:09**
